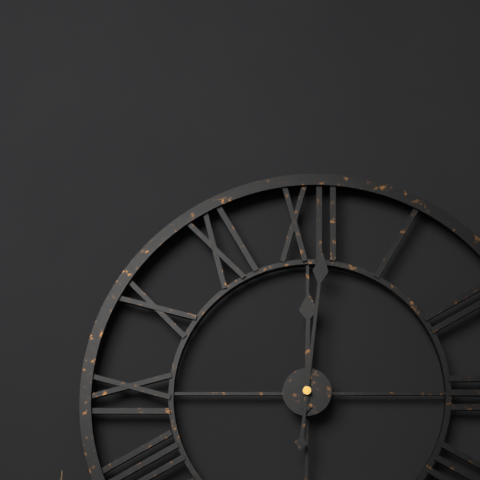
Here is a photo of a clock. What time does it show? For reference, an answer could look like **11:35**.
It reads **12:01**
